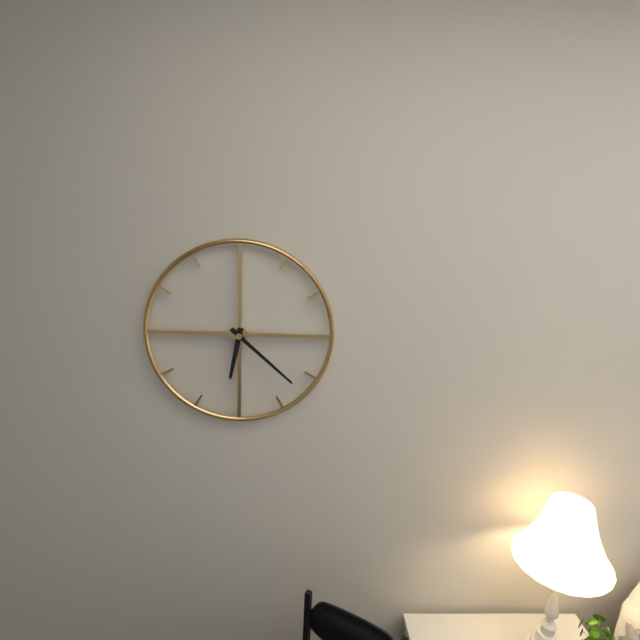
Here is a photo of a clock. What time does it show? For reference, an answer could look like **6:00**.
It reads **6:22**
